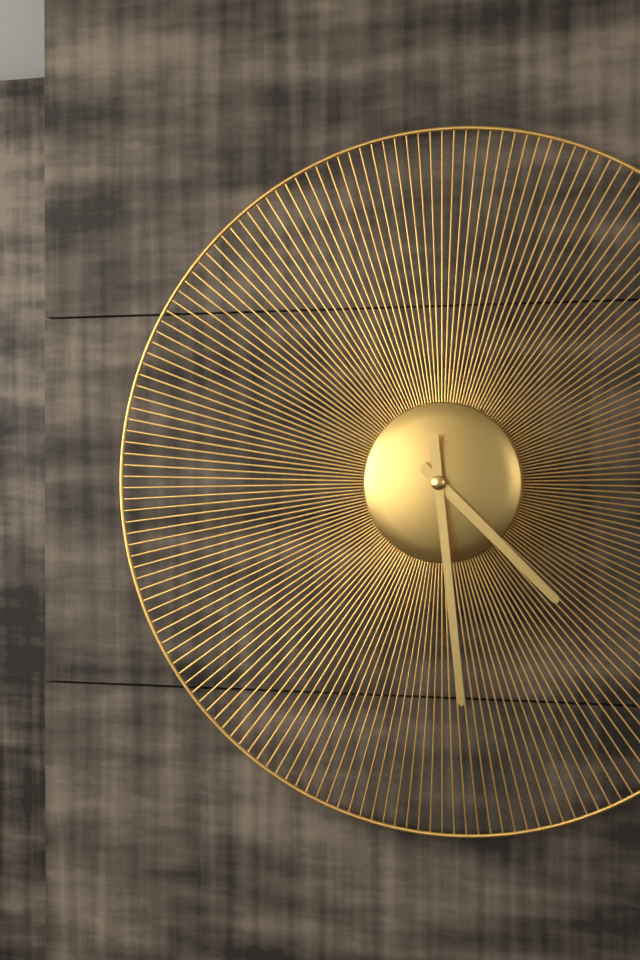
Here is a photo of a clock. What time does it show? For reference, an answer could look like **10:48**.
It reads **4:29**
